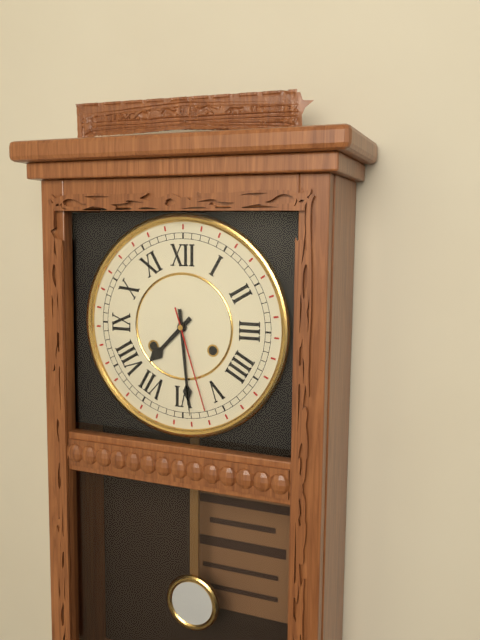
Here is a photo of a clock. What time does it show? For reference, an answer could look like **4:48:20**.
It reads **7:29:27**
